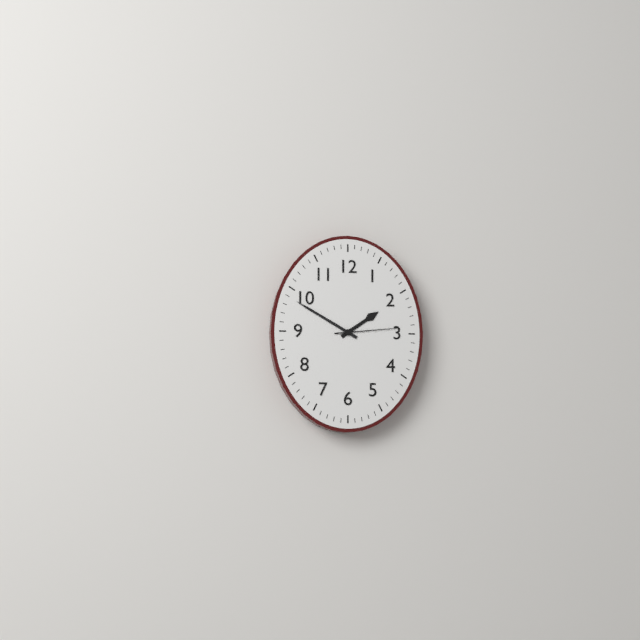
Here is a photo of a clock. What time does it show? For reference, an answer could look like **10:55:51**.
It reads **1:50:14**
